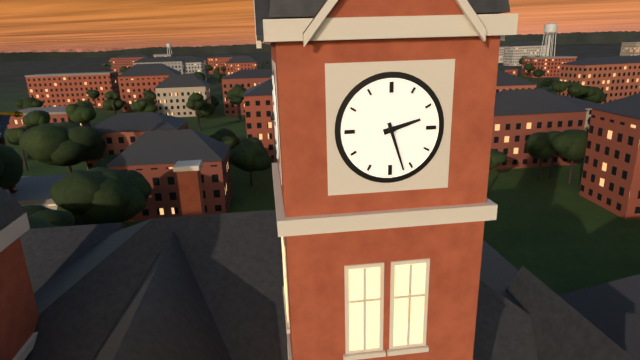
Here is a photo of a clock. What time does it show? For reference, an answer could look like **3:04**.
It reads **2:27**
